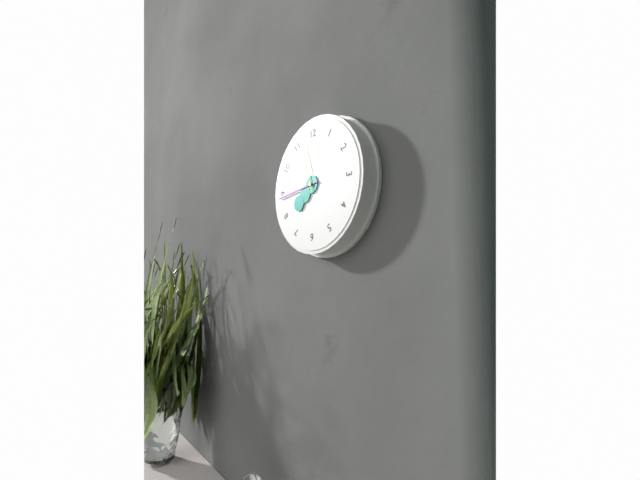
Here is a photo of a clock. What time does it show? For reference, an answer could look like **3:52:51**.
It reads **7:44:57**
